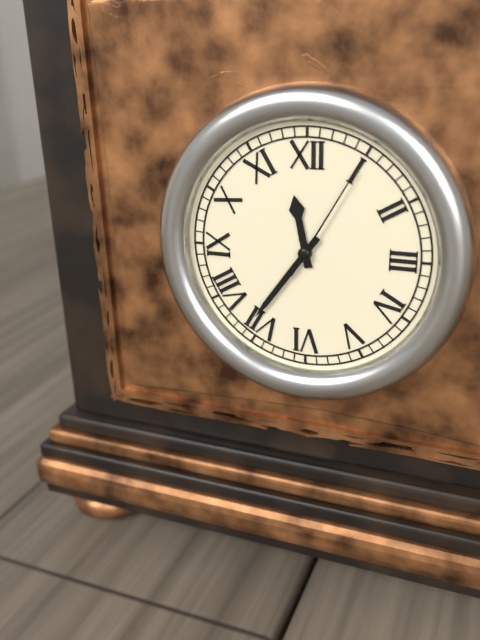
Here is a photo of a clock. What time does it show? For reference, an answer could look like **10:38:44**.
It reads **11:36:05**
